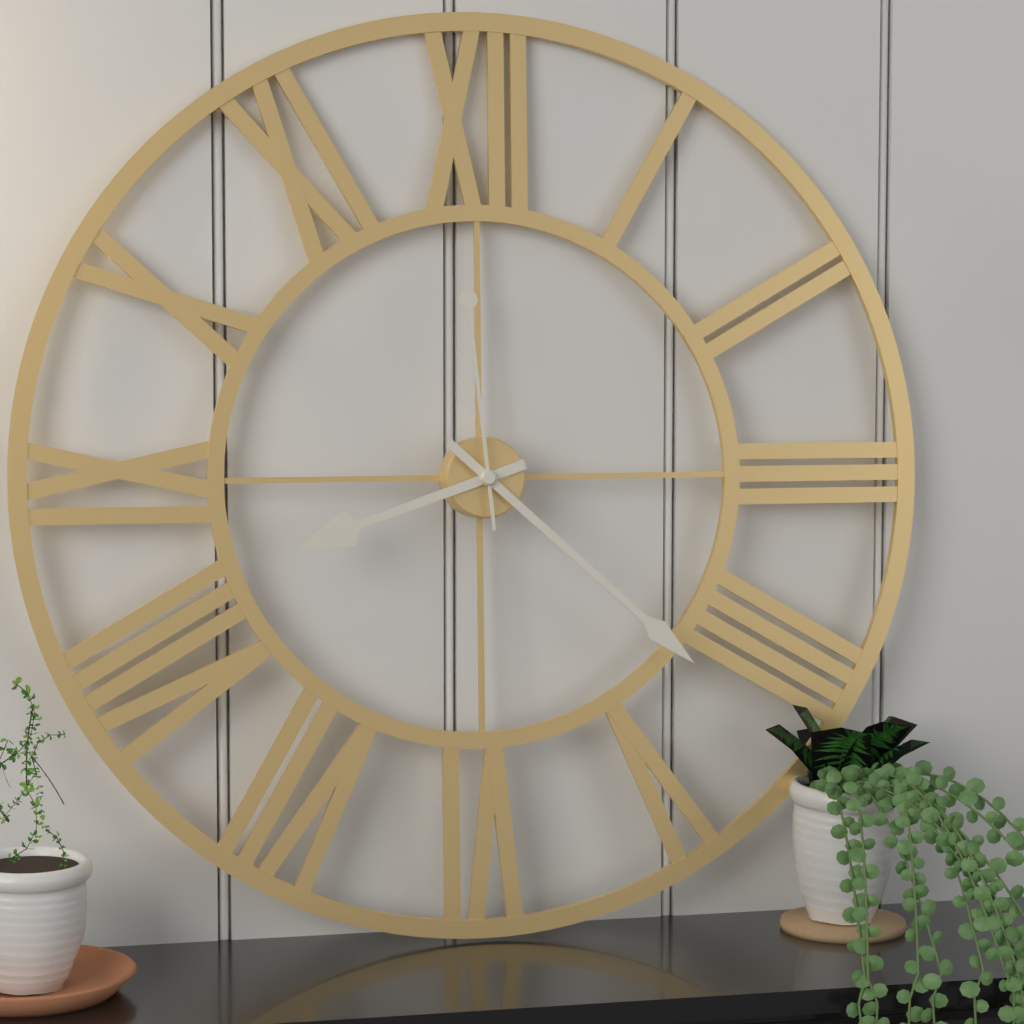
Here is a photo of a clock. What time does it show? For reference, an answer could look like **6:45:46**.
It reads **8:22:59**
